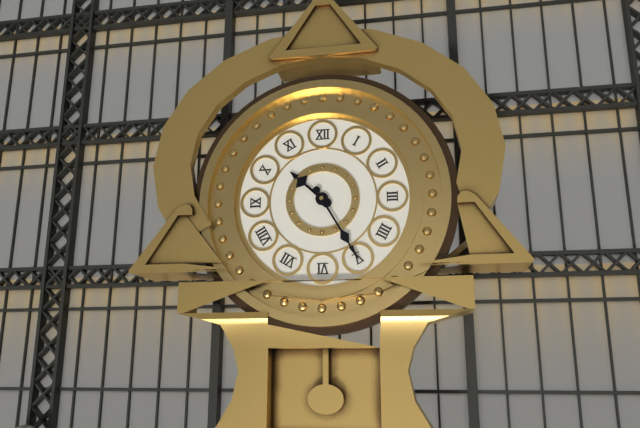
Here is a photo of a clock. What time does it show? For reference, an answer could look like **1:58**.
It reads **10:25**
